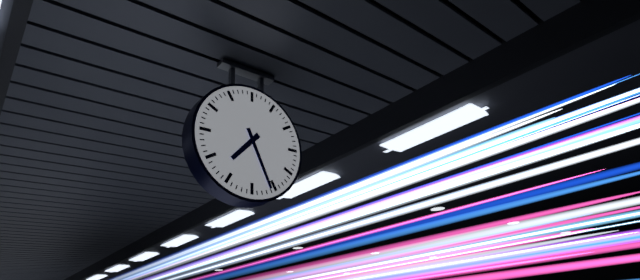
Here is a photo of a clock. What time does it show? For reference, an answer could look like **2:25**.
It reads **7:26**
